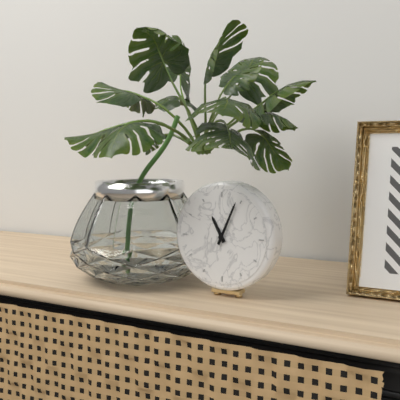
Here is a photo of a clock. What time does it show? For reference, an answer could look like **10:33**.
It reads **11:04**
